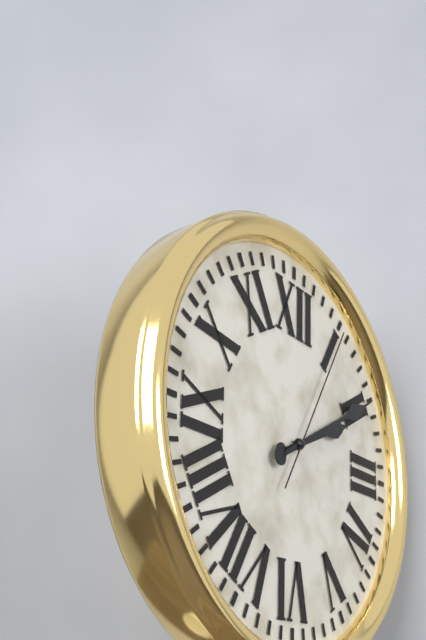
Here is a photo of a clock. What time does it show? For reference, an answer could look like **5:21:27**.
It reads **2:10:05**
